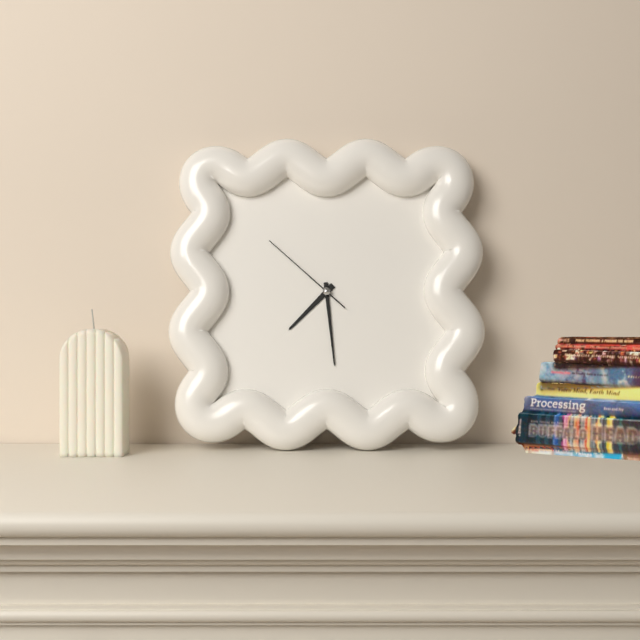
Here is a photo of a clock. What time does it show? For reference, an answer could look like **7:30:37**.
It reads **7:29:52**
